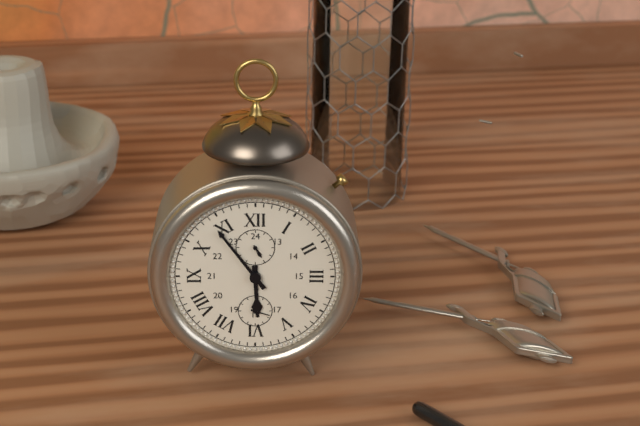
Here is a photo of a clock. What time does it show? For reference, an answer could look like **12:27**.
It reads **5:54**
